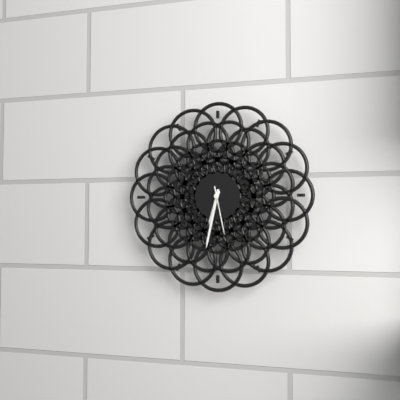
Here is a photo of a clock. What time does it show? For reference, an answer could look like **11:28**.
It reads **6:32**
